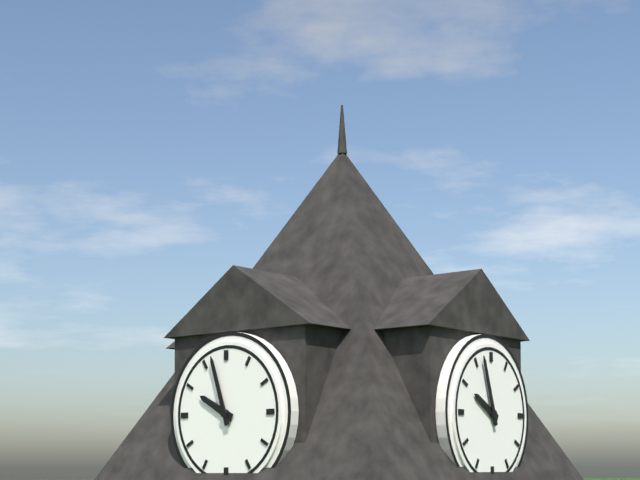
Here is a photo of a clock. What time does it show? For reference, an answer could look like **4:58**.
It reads **9:57**
